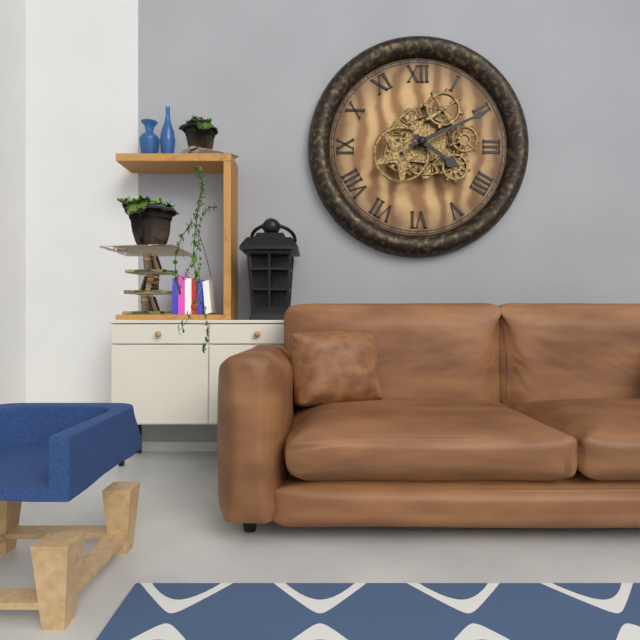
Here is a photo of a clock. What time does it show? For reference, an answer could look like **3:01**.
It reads **4:11**
